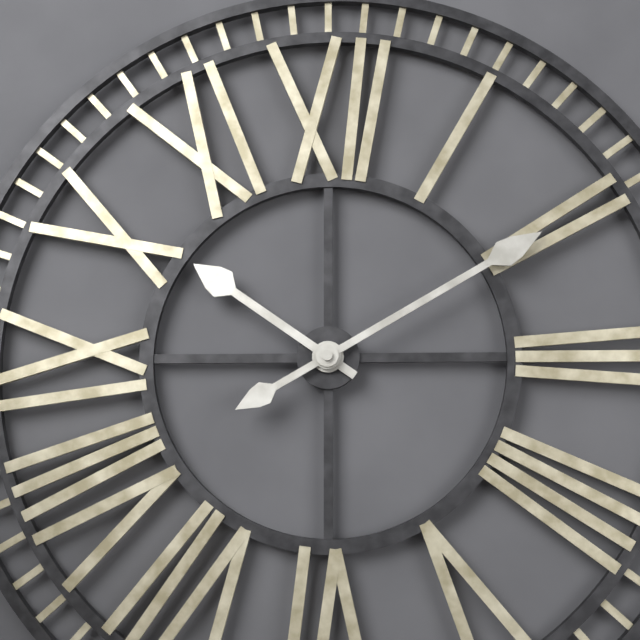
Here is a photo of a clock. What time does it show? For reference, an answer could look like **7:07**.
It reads **10:10**
